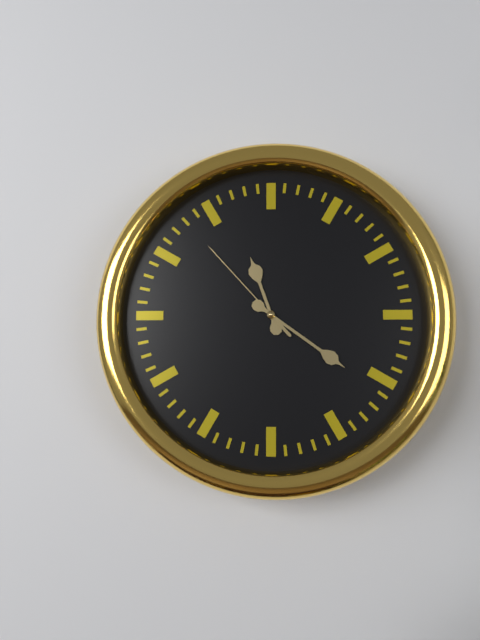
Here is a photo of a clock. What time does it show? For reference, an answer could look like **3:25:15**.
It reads **11:21:53**
